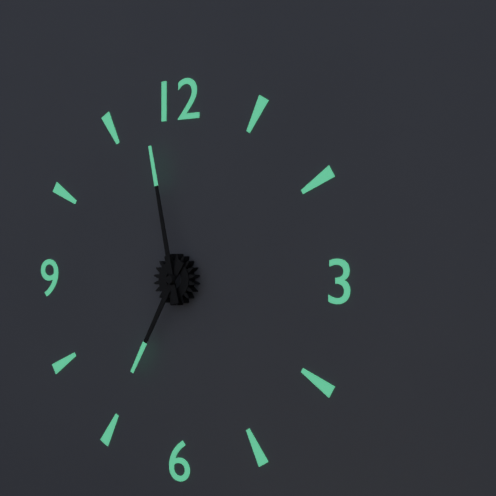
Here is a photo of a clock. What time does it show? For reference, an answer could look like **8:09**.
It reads **6:58**
